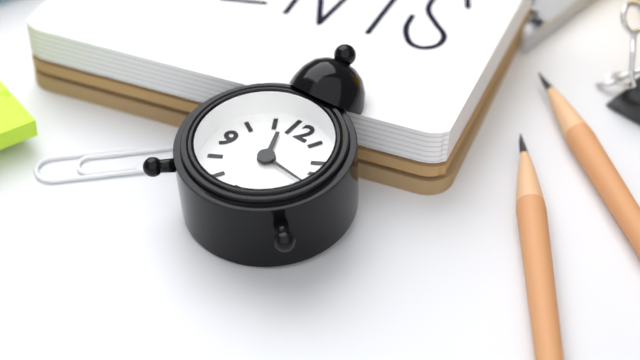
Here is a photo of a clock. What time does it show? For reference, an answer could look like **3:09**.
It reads **11:16**
